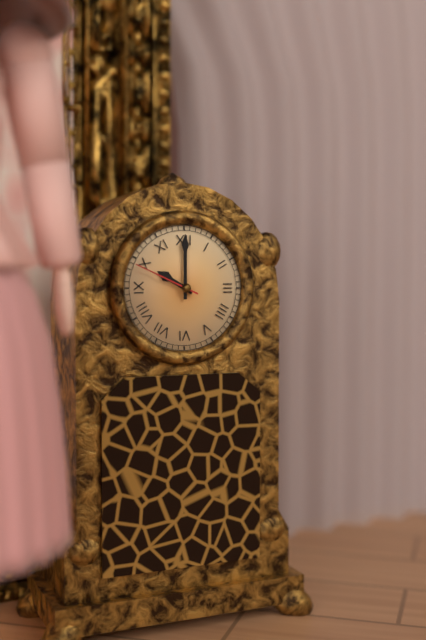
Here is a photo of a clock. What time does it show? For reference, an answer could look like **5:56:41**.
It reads **10:00:49**
